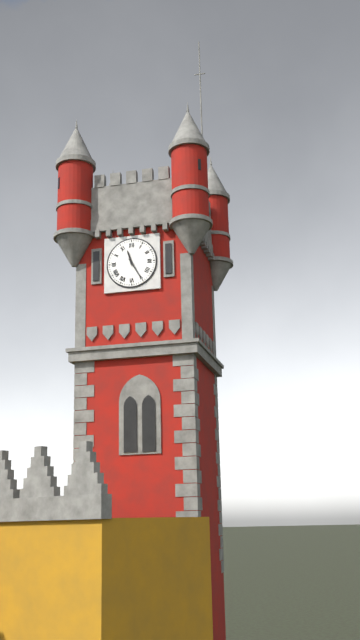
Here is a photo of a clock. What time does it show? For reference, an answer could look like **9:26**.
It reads **11:25**
